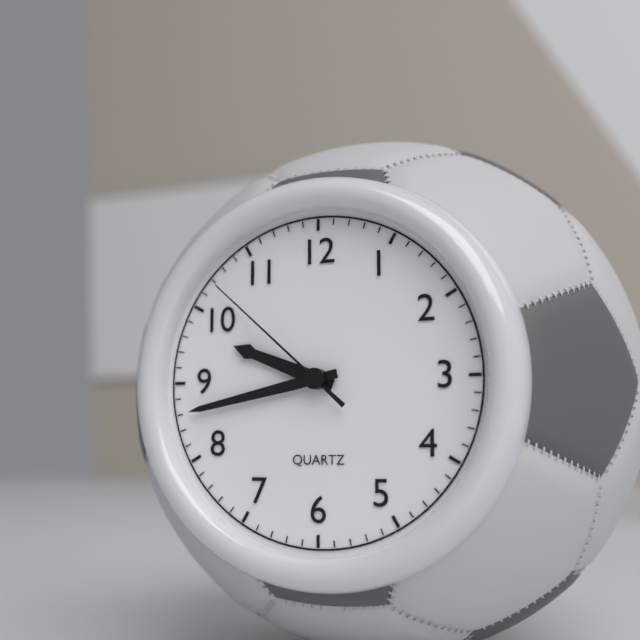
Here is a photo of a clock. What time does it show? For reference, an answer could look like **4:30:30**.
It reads **9:43:52**
